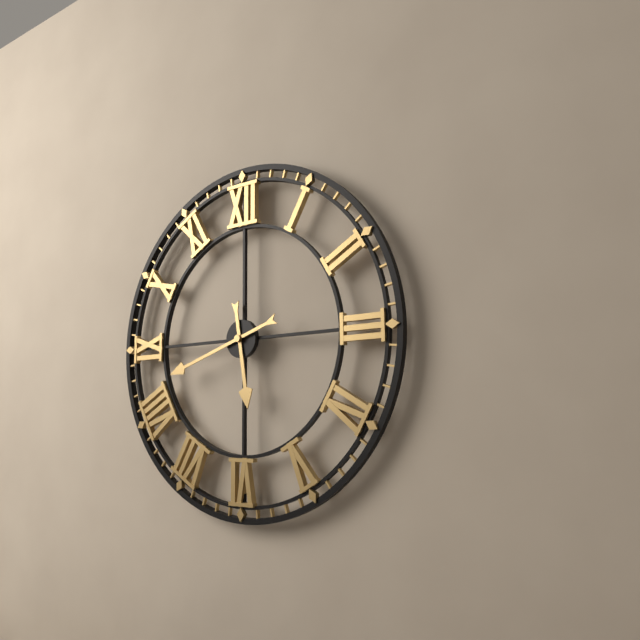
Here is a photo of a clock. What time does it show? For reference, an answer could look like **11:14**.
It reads **5:42**
